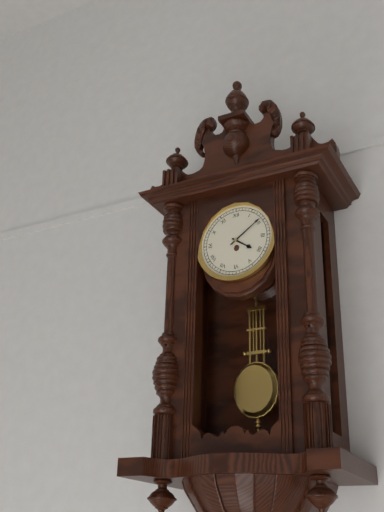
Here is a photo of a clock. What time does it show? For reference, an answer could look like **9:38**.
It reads **4:09**
